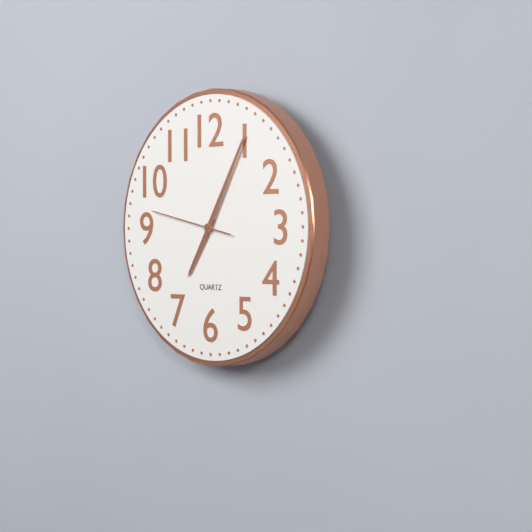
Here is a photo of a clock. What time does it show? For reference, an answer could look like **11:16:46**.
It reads **7:05:47**
